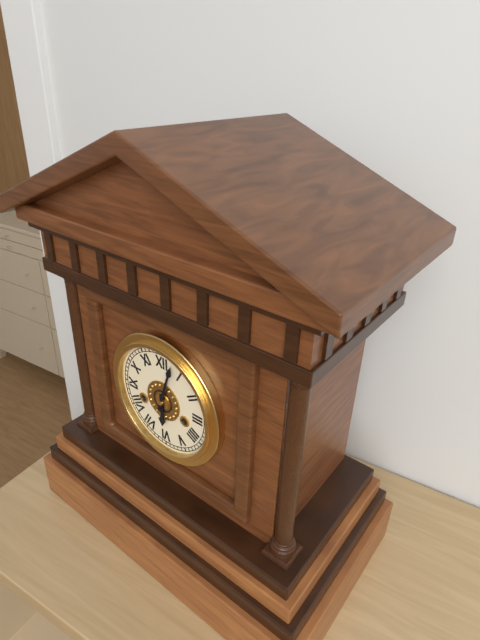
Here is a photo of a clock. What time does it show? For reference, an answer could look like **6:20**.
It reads **6:03**
